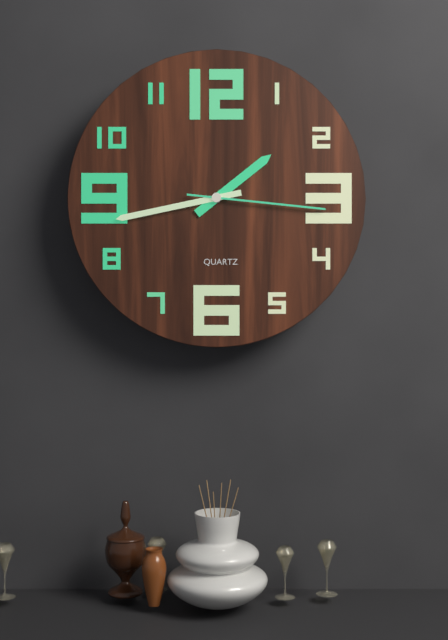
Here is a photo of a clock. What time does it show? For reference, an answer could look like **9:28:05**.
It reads **1:43:16**
